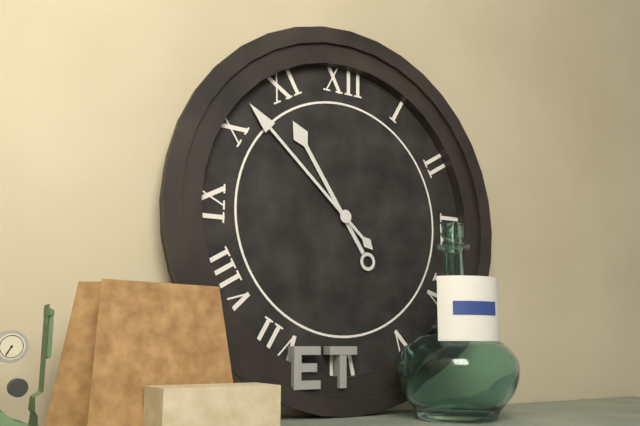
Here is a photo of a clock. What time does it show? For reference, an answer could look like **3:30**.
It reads **10:52**
